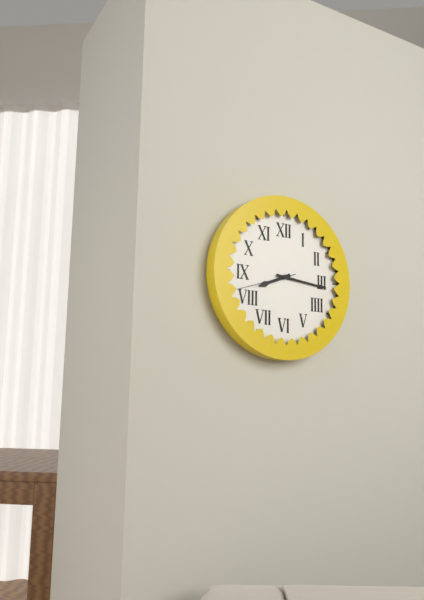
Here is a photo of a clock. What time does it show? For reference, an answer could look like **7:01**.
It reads **8:16**
